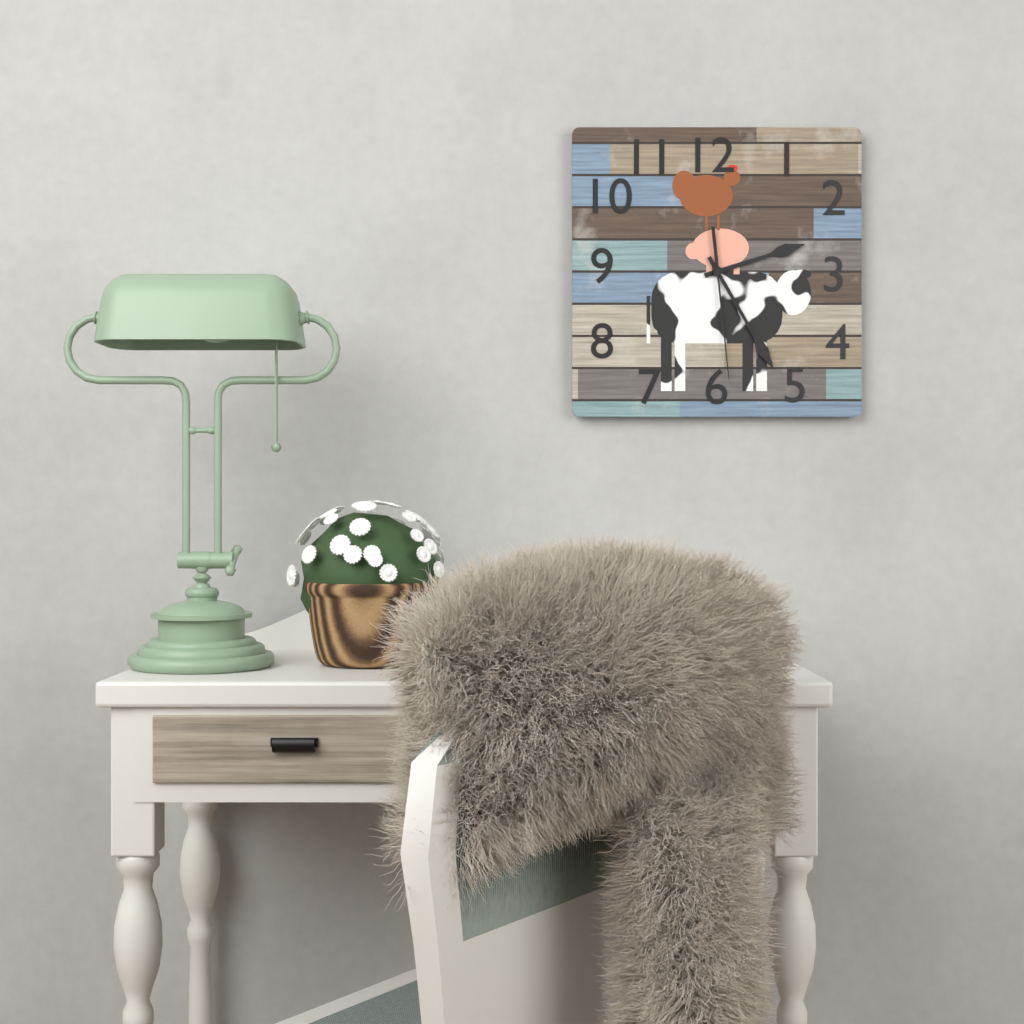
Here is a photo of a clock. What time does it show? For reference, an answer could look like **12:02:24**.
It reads **2:25:29**
